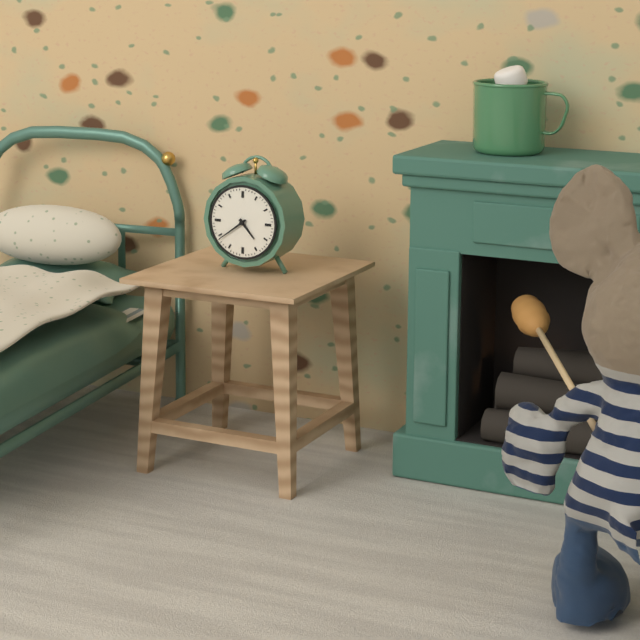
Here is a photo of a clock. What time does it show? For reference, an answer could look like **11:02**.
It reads **4:39**
